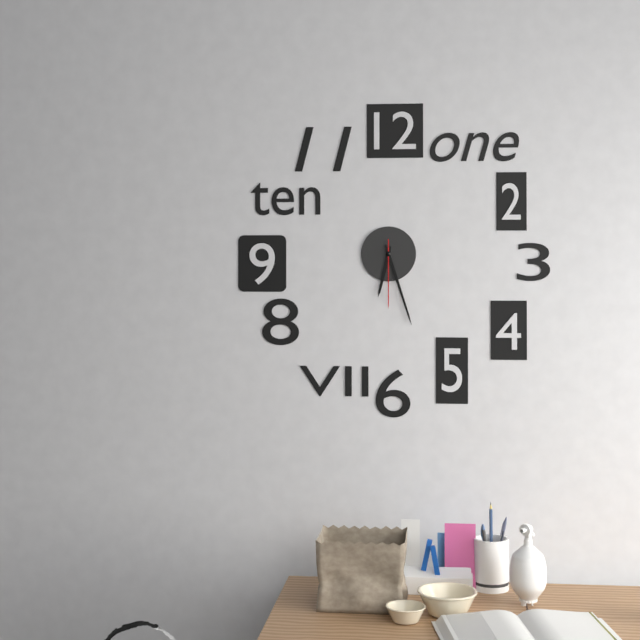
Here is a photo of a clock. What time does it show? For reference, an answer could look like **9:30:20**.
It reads **6:27:30**
